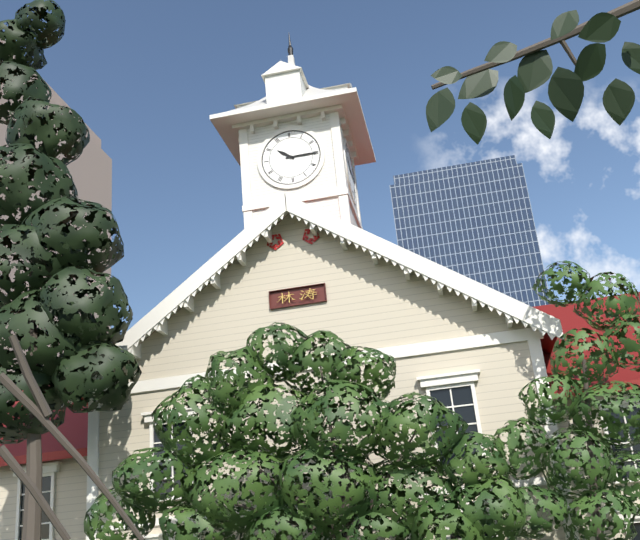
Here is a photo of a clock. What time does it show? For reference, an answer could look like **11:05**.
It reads **10:15**
